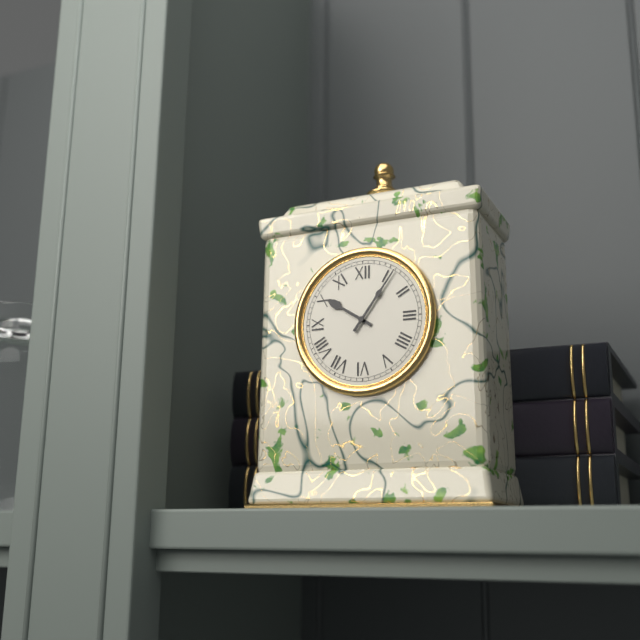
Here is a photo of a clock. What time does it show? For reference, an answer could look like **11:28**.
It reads **10:06**
